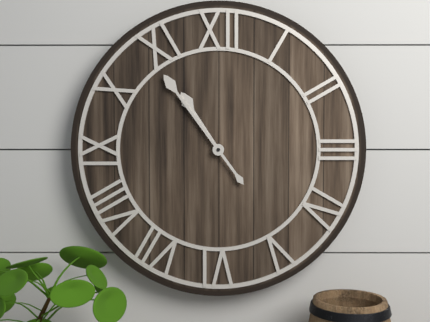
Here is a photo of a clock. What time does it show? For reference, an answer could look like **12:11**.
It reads **10:54**
